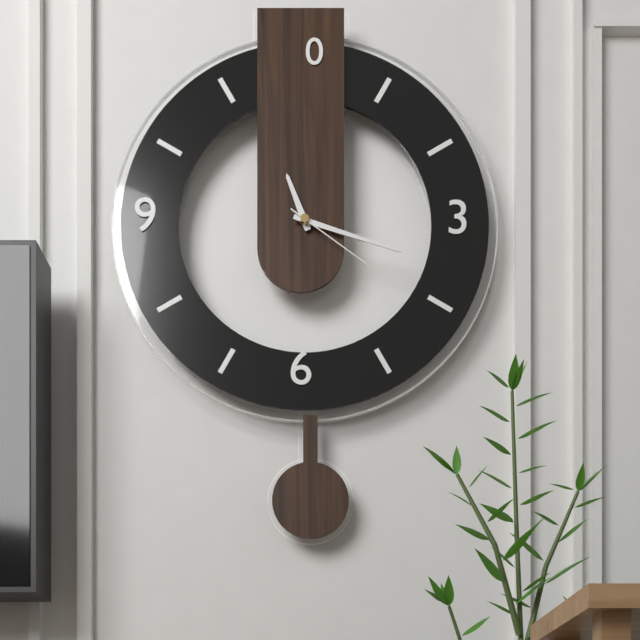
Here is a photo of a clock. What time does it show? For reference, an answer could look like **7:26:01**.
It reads **11:18:21**
